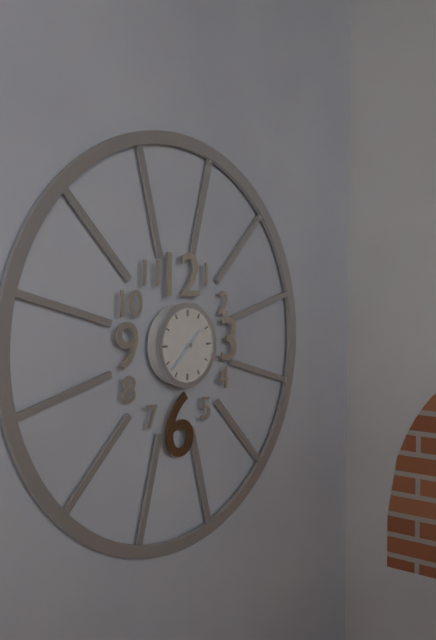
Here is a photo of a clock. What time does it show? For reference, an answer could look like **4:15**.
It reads **1:38**
